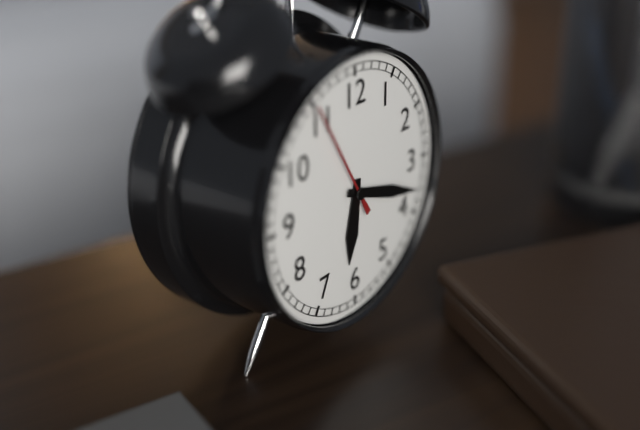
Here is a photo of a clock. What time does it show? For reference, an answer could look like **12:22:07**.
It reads **6:18:55**
